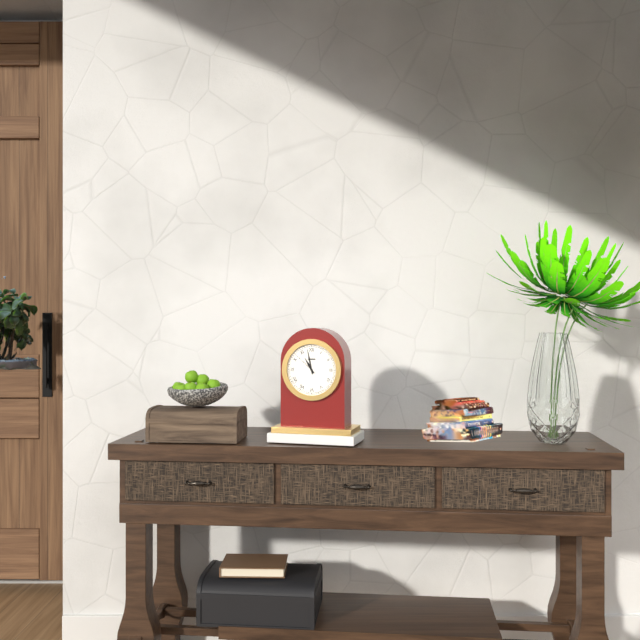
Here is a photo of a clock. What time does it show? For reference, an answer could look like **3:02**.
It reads **10:58**
